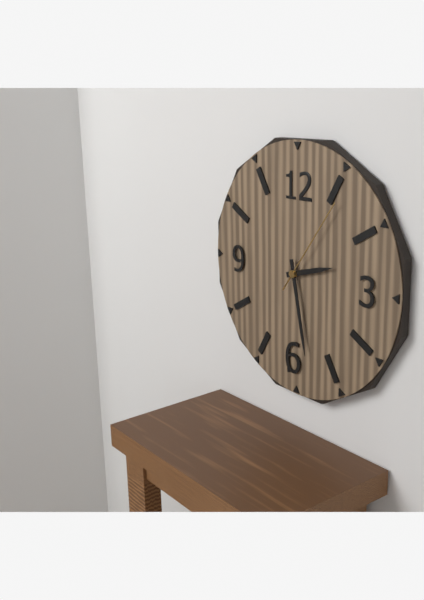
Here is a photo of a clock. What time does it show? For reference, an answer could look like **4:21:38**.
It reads **2:28:06**
